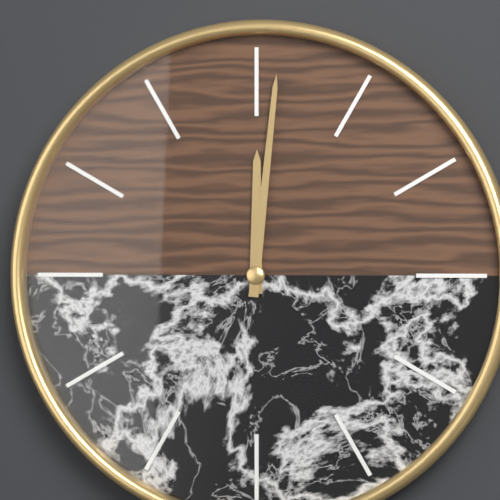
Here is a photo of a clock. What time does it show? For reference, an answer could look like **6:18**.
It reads **12:01**
